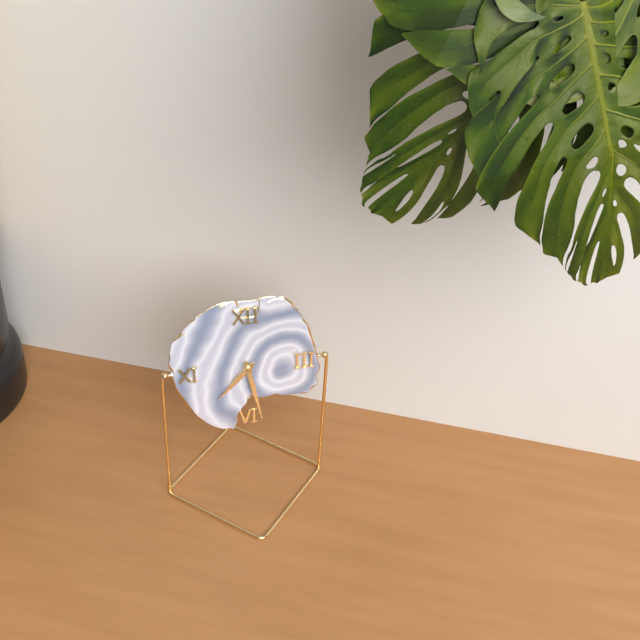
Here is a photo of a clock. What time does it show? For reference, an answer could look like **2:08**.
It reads **7:28**
